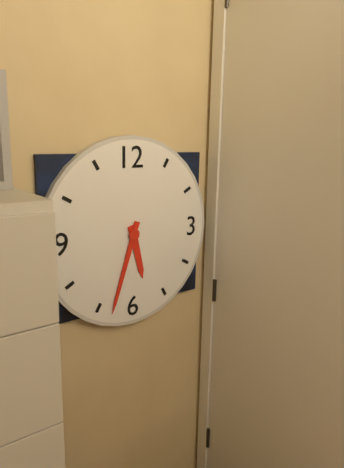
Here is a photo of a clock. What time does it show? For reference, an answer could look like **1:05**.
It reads **5:33**
